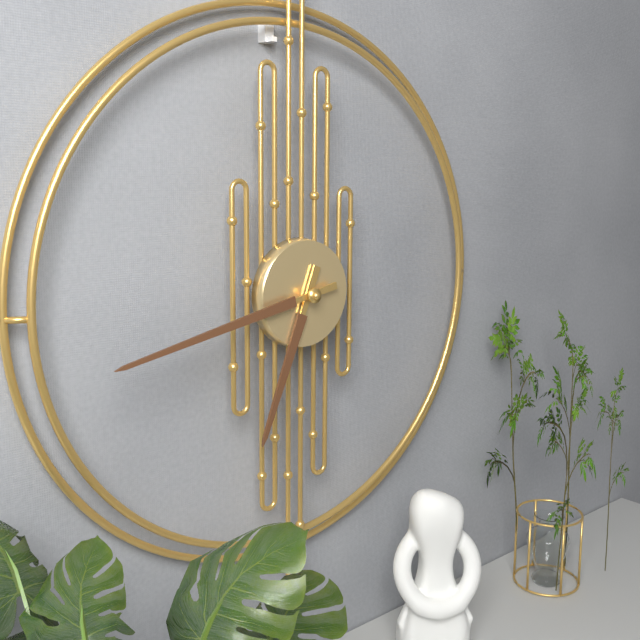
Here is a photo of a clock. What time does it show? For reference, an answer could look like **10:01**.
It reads **6:43**
